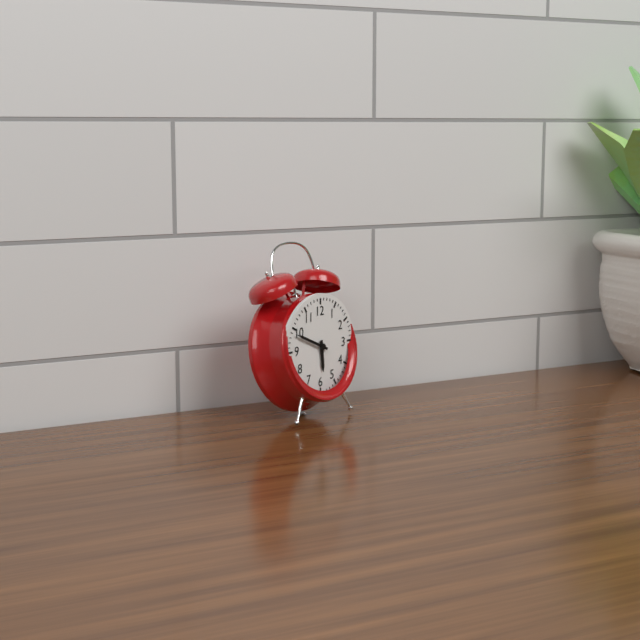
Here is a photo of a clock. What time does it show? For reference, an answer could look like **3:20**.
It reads **5:49**
